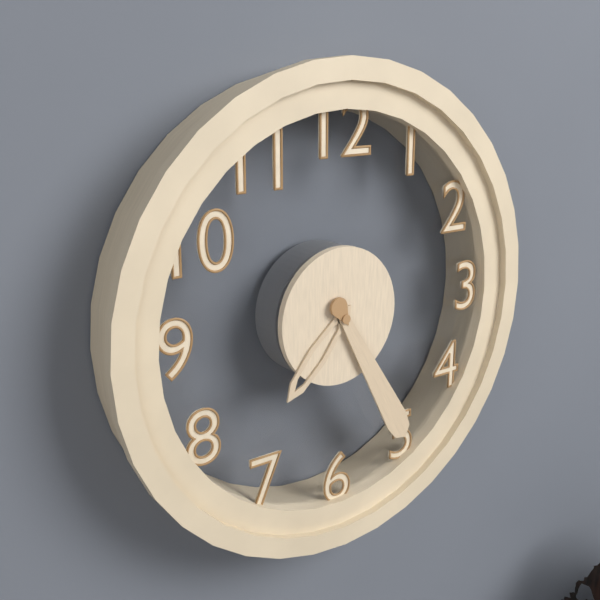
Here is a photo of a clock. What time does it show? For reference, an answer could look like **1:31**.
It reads **7:25**
